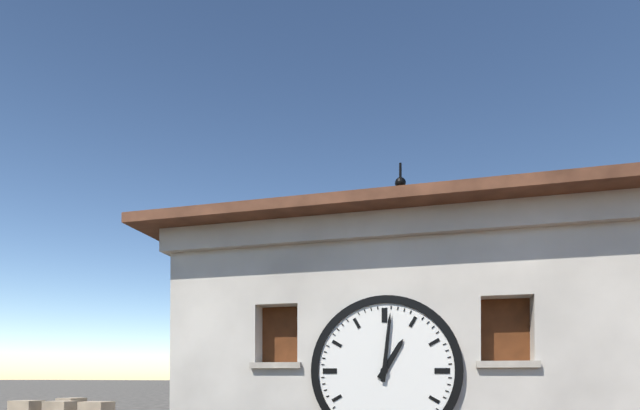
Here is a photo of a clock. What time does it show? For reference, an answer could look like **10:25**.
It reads **1:01**
